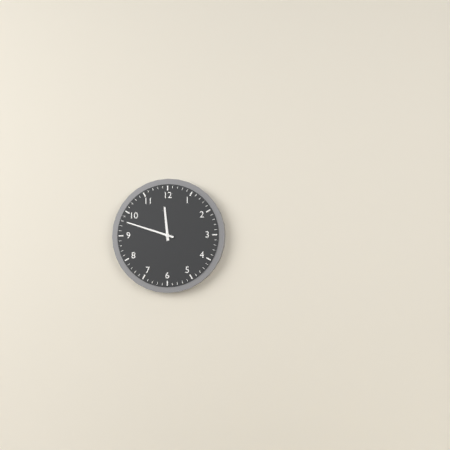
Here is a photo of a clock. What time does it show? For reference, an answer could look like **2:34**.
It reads **11:48**
